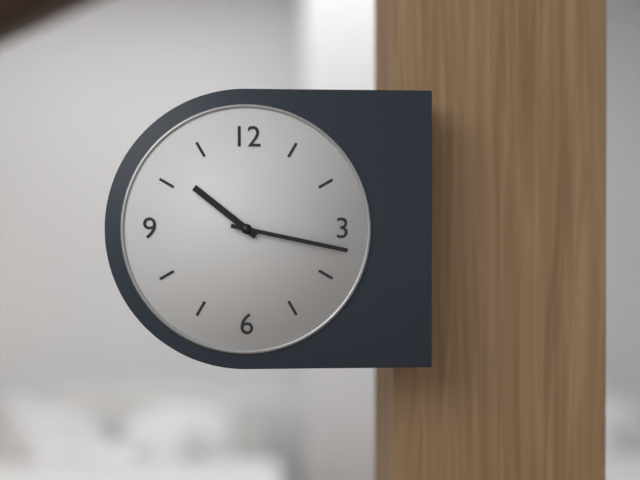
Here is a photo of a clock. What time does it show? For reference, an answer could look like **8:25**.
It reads **10:17**
